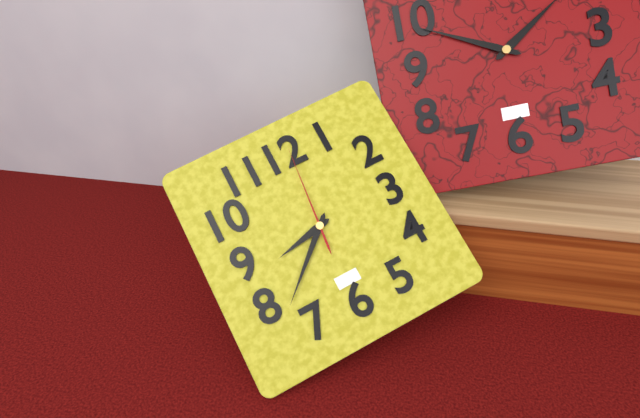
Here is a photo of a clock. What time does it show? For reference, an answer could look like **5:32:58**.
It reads **8:38:01**
